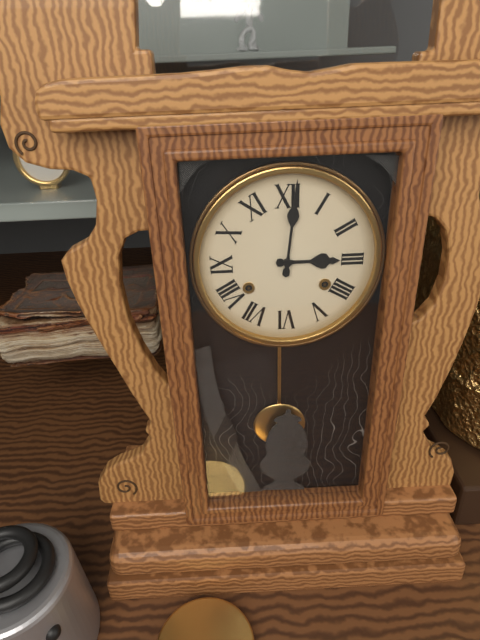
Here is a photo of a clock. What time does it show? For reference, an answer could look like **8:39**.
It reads **3:01**
